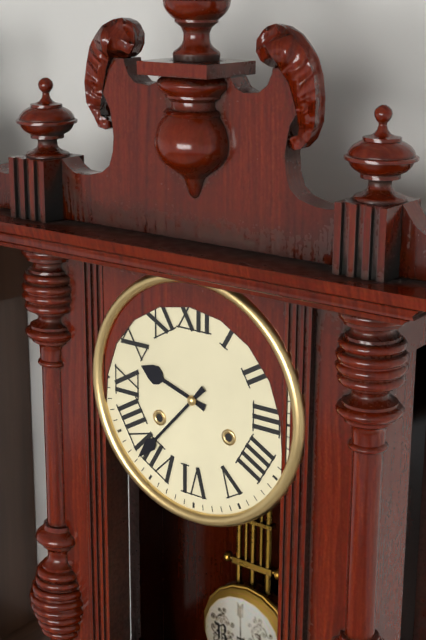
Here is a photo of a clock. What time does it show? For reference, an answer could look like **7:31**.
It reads **9:37**
